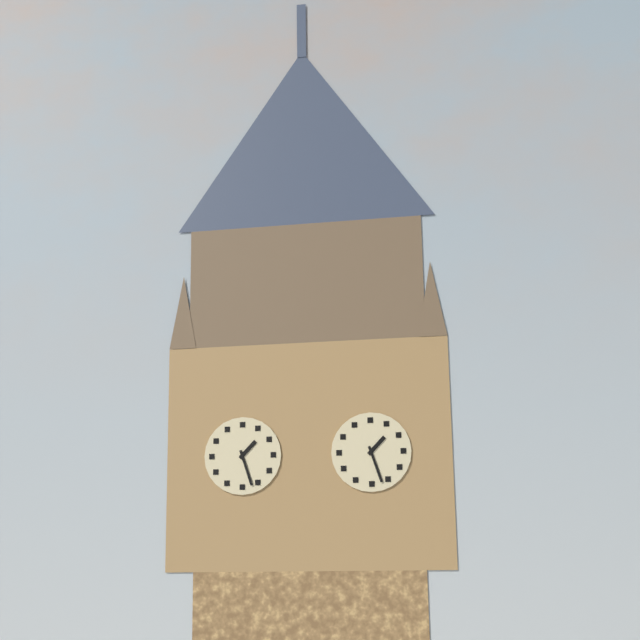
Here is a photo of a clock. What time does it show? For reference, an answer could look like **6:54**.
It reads **1:27**
